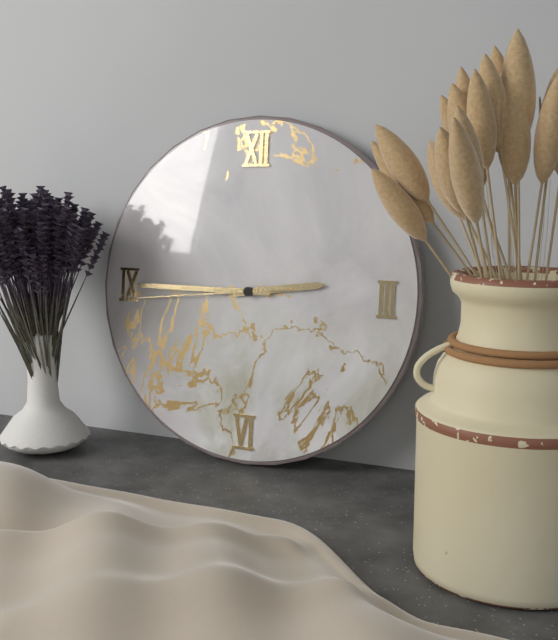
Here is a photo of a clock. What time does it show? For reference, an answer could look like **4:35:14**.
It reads **2:45:44**
